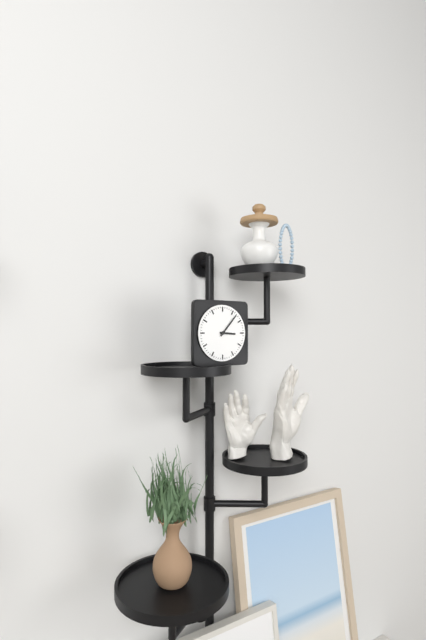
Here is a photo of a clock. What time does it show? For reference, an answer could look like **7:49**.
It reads **3:07**
